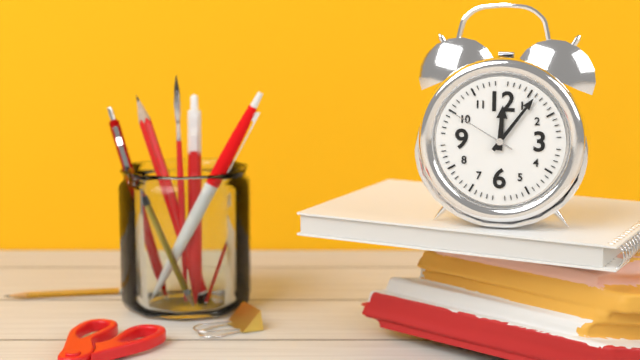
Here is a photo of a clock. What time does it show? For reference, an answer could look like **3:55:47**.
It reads **12:06:50**
